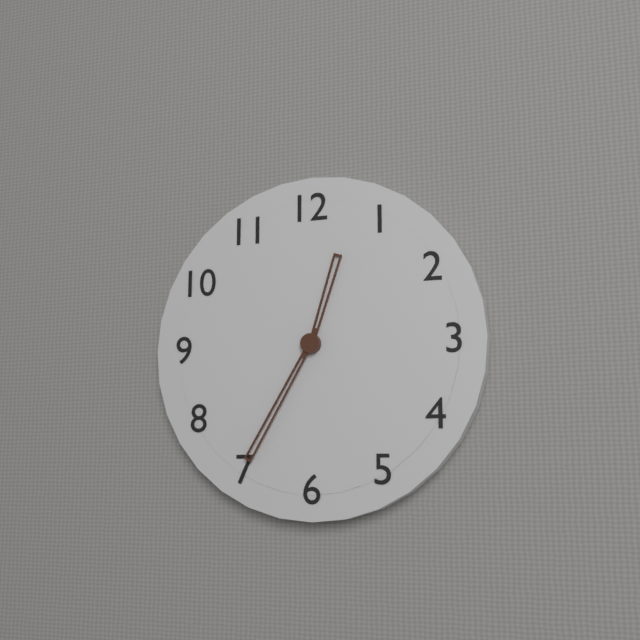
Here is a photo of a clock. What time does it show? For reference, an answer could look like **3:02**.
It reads **12:35**
